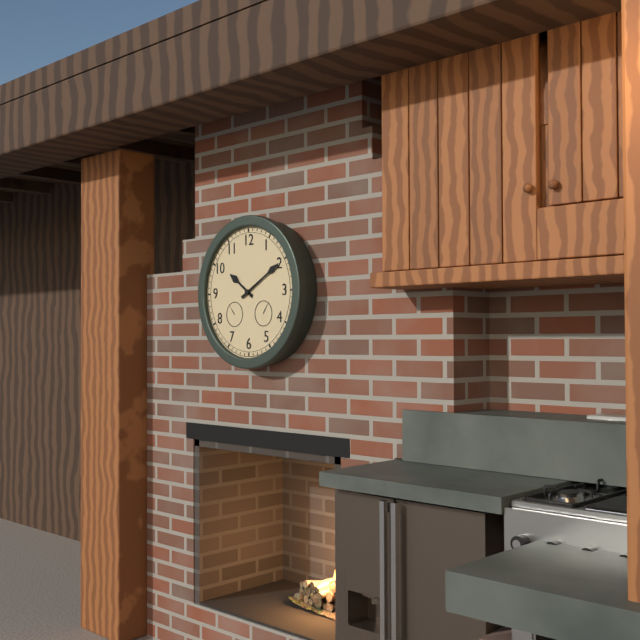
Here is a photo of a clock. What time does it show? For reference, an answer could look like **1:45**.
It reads **10:10**
